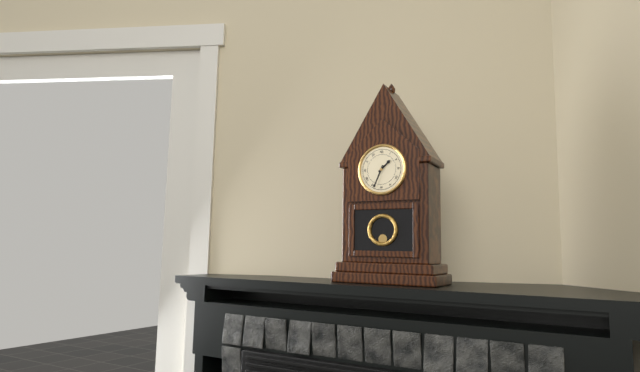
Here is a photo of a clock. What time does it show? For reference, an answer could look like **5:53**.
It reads **1:34**
